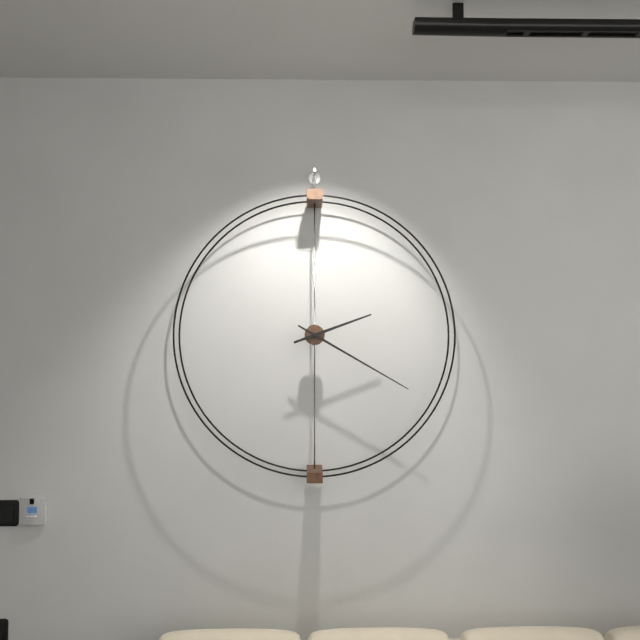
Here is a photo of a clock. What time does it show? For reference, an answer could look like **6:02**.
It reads **2:20**
